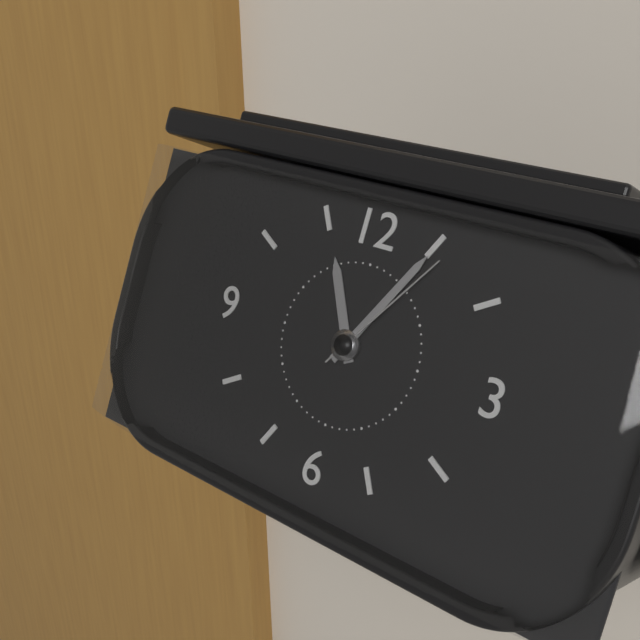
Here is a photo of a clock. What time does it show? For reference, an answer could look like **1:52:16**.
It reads **11:05:06**
